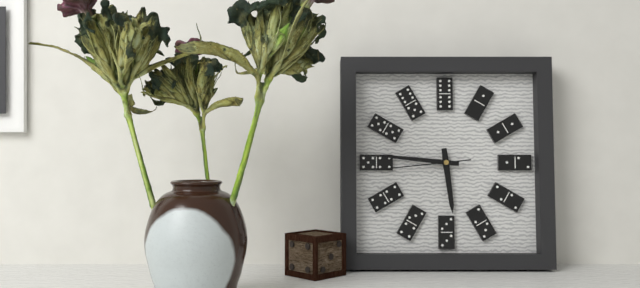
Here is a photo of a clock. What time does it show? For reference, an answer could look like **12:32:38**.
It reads **5:46:44**
